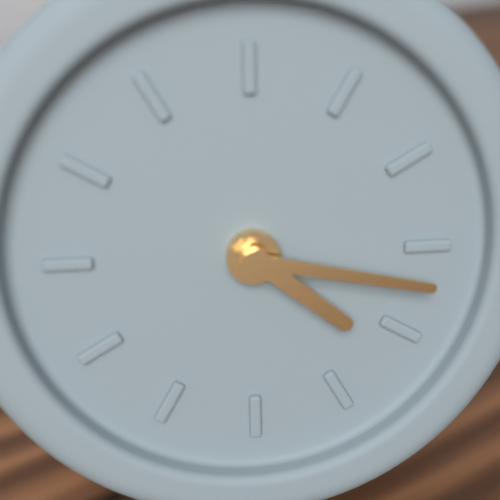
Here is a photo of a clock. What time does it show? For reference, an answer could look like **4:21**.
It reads **4:17**
